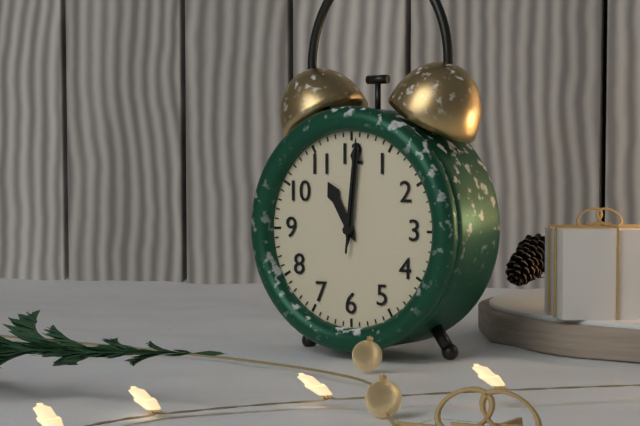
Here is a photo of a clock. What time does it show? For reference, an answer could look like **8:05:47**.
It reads **11:01:01**
